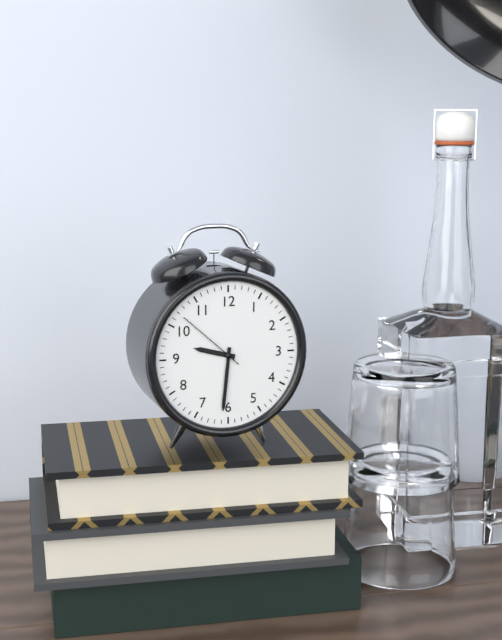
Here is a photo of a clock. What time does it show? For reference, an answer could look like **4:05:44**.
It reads **9:31:52**
